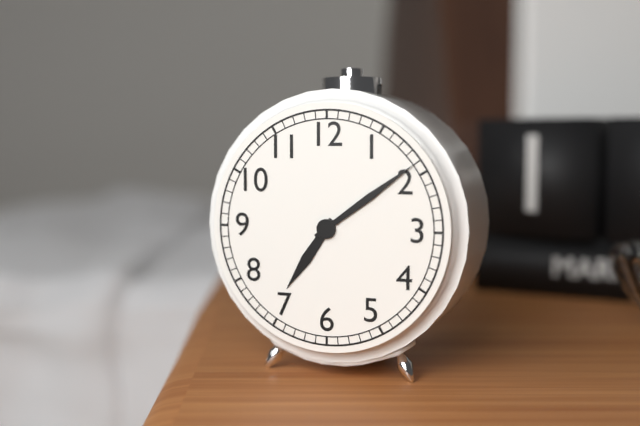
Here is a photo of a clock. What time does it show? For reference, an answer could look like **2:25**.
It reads **7:09**
